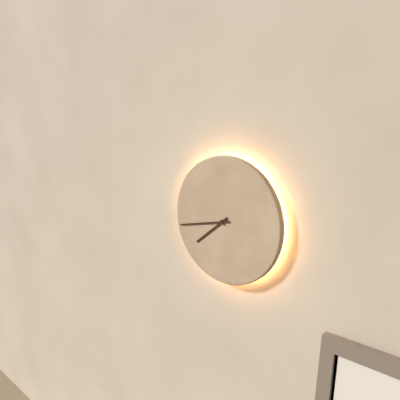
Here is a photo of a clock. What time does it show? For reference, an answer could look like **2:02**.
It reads **7:43**
